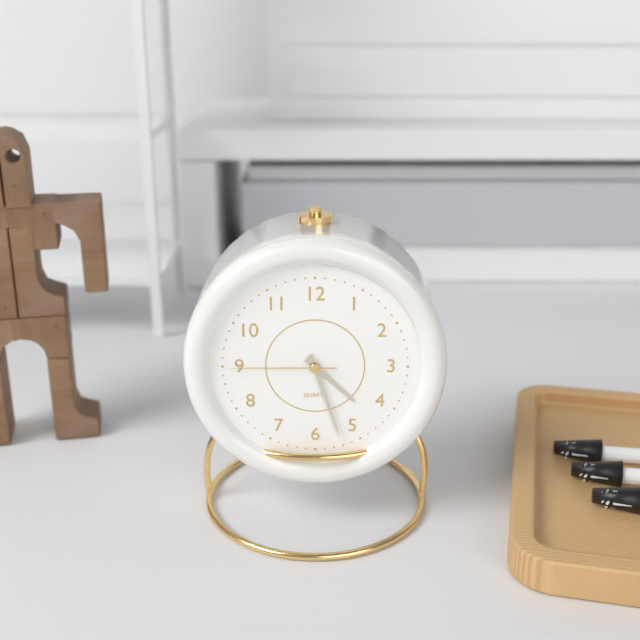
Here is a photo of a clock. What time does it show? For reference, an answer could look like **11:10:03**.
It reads **4:27:45**
